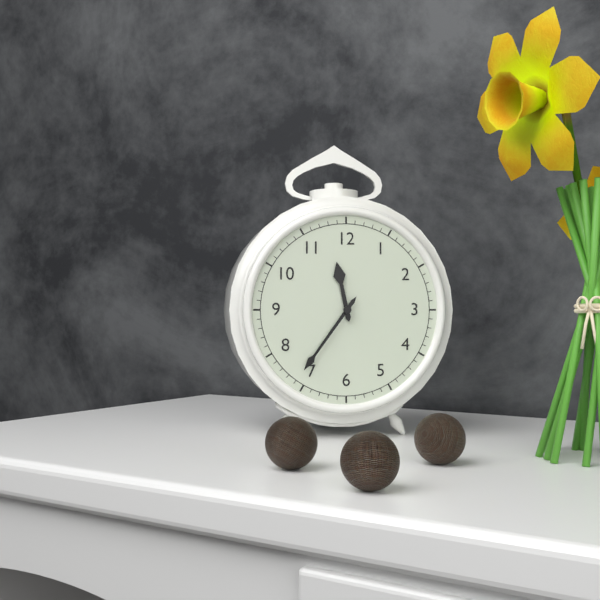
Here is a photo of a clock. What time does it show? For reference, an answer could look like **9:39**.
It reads **11:36**
